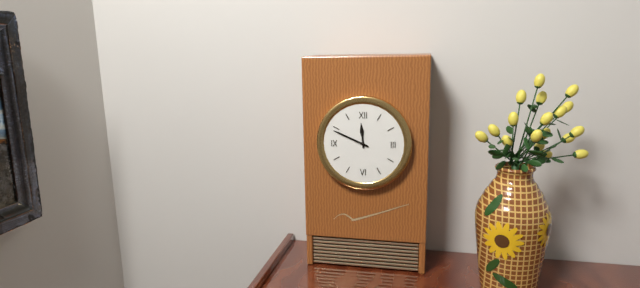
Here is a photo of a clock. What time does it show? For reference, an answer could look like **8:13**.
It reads **11:49**
